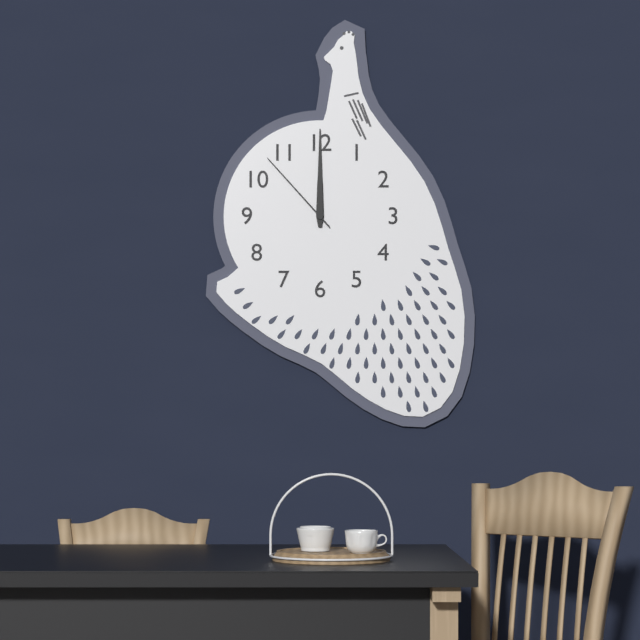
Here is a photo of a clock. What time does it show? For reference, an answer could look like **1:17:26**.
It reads **12:00:53**
